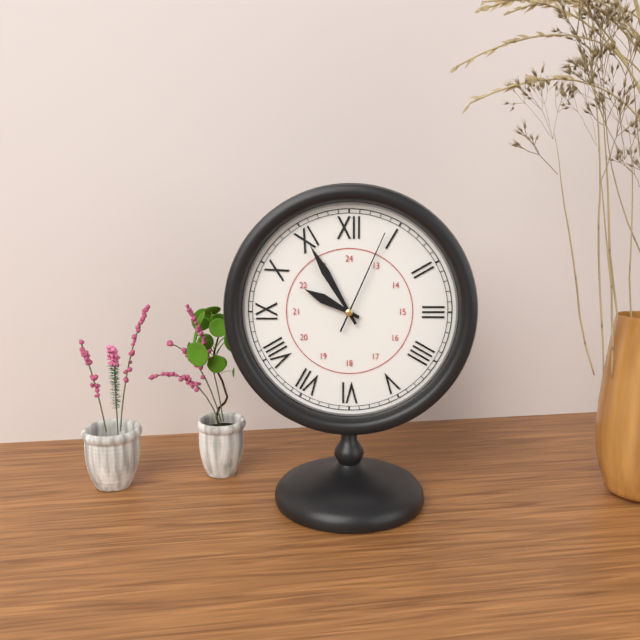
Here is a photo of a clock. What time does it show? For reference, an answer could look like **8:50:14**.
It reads **9:55:04**
